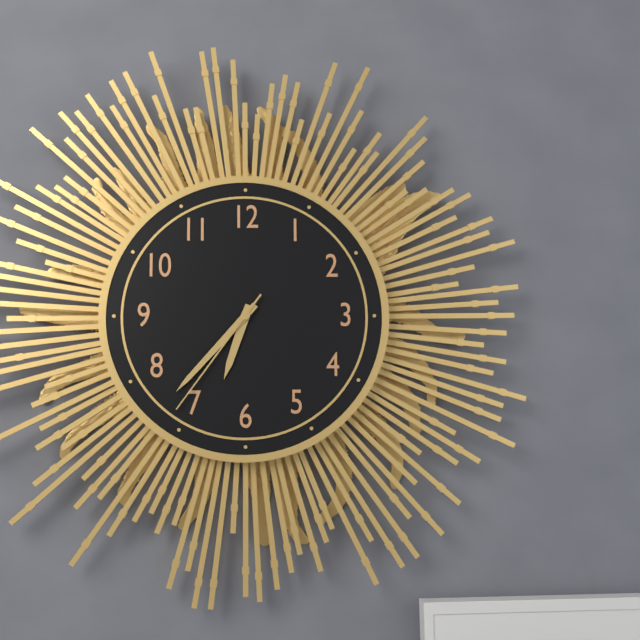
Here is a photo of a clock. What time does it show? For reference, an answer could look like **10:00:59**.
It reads **6:37:36**
